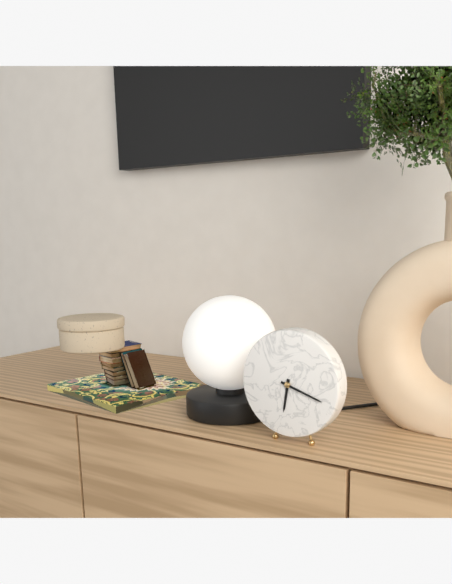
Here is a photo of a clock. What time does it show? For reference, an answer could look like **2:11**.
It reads **6:18**
